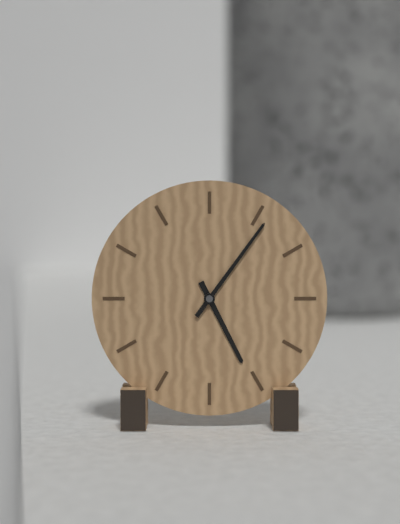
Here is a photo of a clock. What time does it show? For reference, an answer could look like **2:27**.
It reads **5:06**
